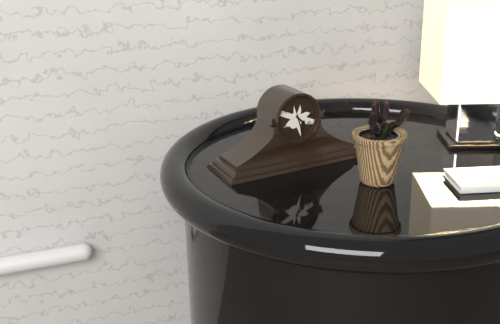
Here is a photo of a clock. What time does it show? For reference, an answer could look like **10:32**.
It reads **4:27**
